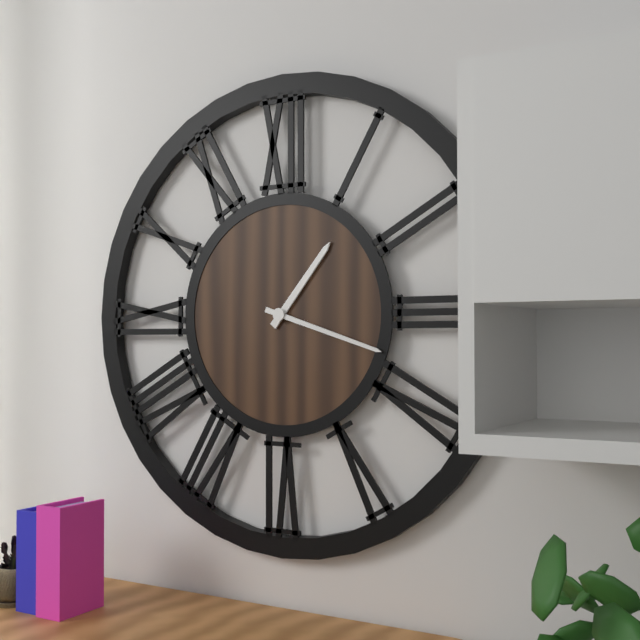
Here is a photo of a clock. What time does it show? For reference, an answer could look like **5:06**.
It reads **1:18**
